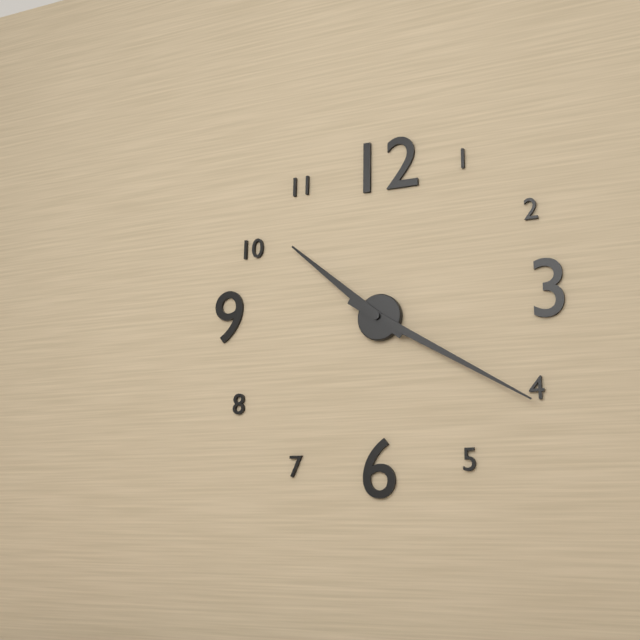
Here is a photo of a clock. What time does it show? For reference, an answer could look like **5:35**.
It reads **10:20**
